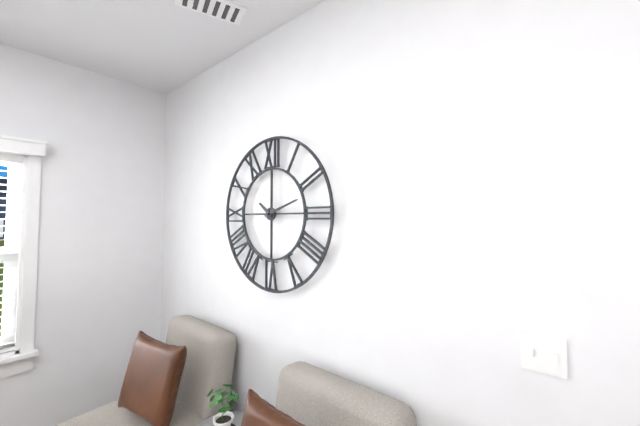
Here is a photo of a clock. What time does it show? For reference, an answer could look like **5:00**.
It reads **10:12**
